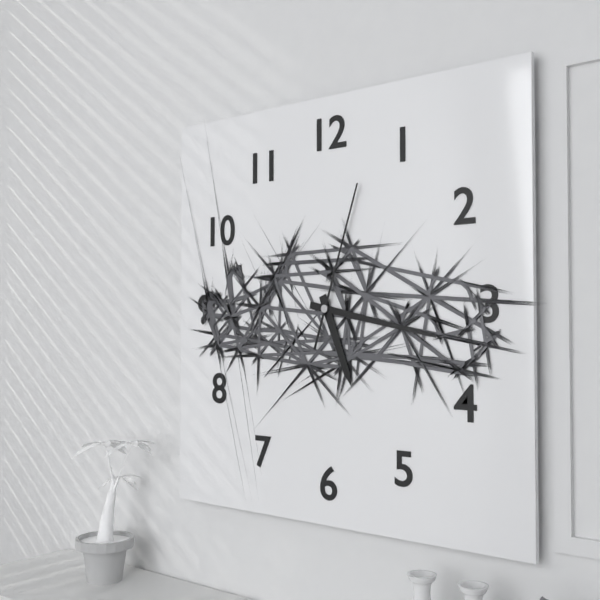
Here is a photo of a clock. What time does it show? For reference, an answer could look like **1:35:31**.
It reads **5:17:03**
